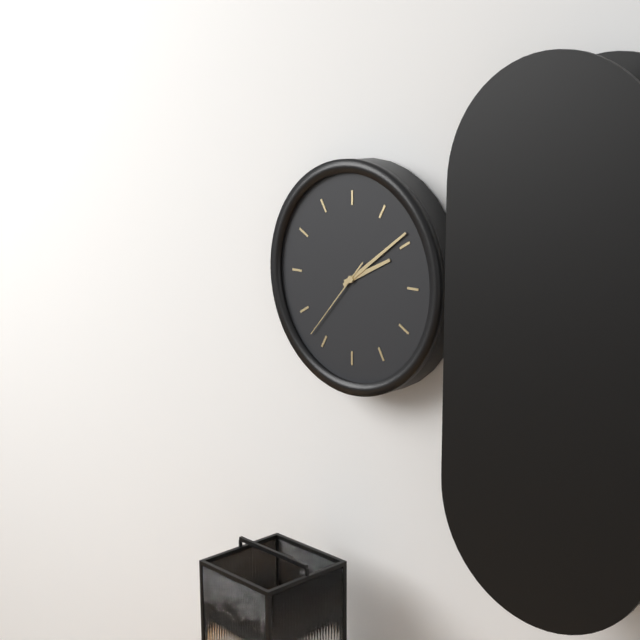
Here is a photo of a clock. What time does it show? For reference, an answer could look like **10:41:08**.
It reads **2:09:37**
